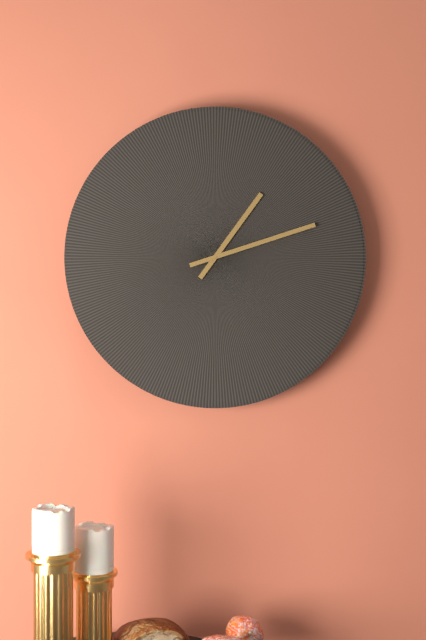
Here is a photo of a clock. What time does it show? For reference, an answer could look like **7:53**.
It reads **1:12**
